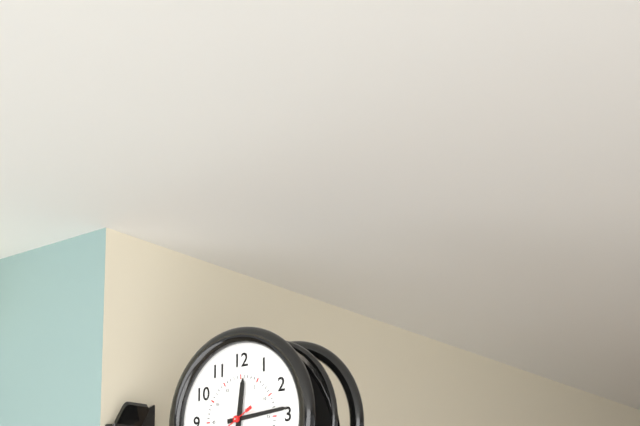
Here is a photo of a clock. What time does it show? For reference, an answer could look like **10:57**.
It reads **12:14**
